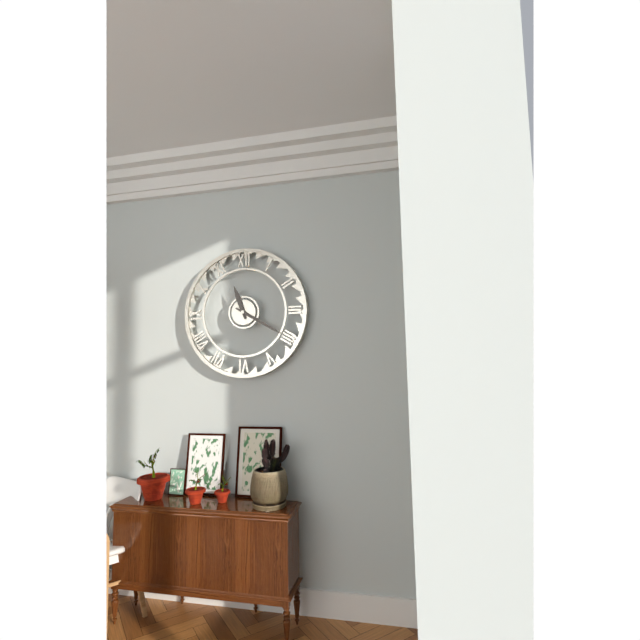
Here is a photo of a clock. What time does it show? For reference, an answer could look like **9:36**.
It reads **11:20**
